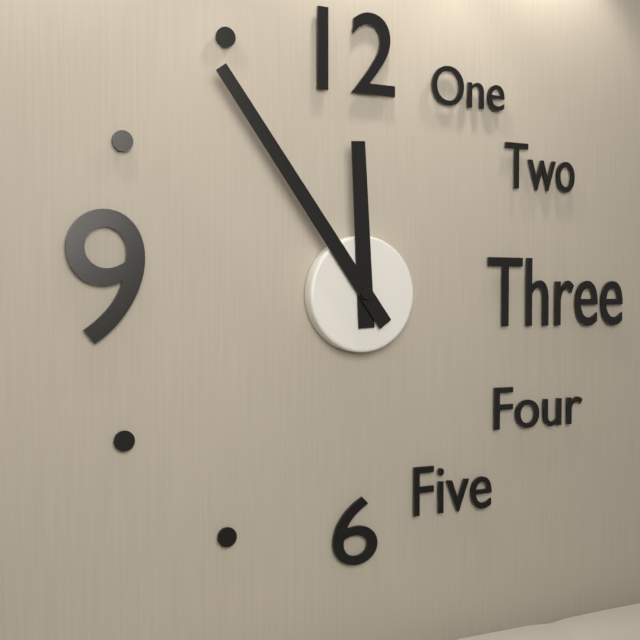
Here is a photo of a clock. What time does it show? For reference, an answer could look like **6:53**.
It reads **11:54**
